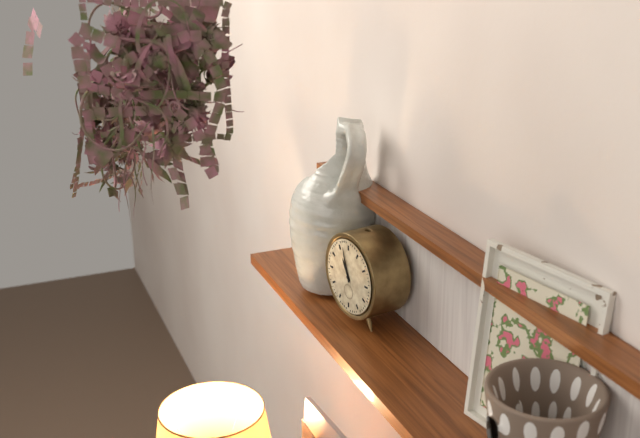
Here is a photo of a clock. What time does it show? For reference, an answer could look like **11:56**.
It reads **10:57**
